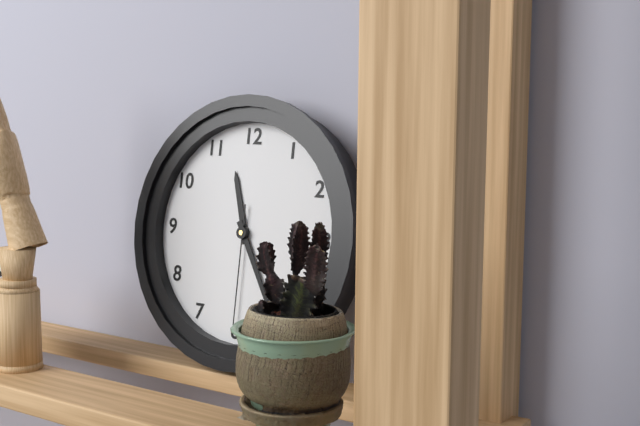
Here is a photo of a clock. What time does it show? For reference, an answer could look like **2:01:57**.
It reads **11:25:30**
